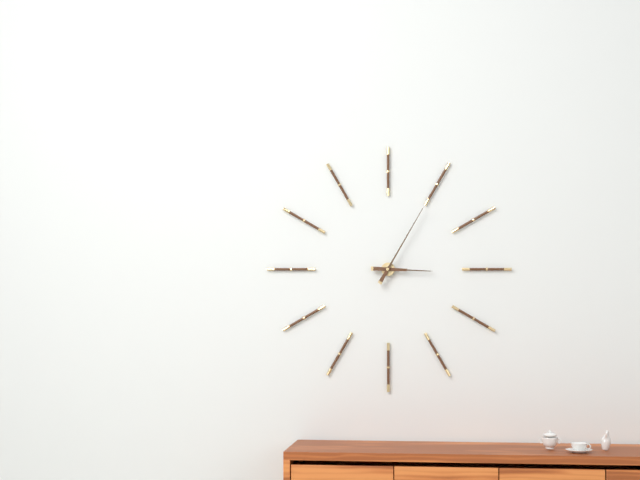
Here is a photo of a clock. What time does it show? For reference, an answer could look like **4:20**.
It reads **3:05**
